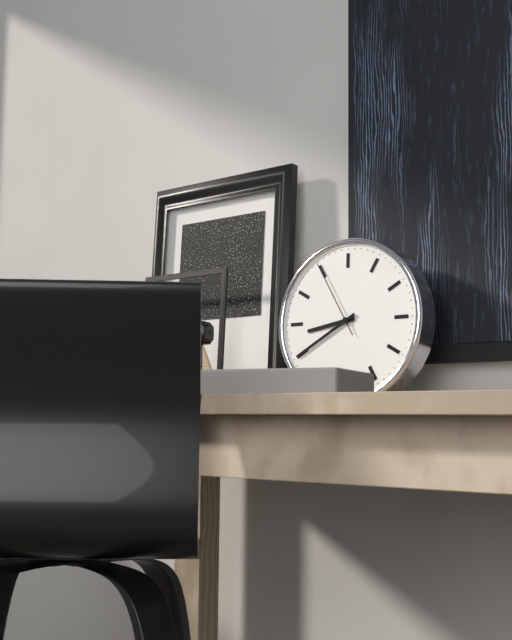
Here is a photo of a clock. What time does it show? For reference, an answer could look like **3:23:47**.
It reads **8:40:55**
